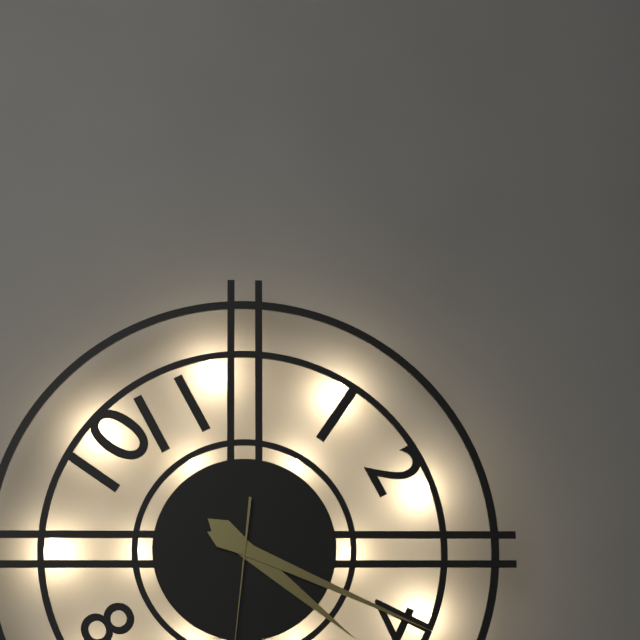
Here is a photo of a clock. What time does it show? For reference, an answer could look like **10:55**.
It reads **4:19**
